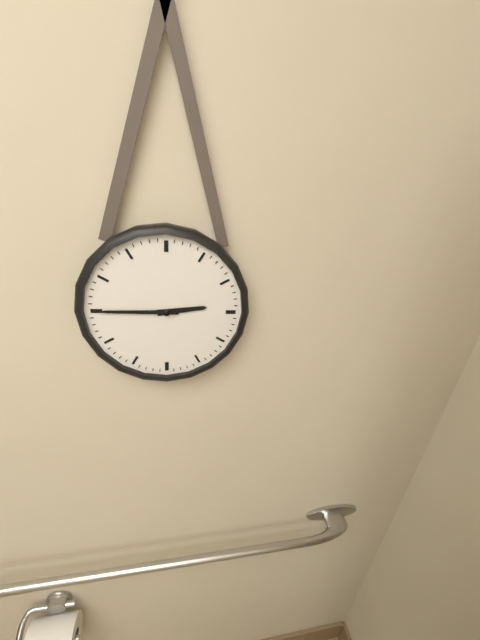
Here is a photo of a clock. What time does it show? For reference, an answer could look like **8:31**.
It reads **2:45**
